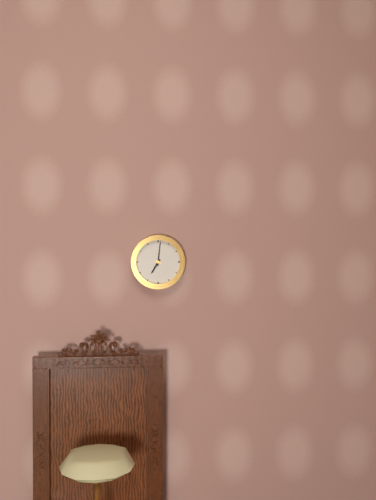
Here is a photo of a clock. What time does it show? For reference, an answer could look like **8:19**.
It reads **7:01**
